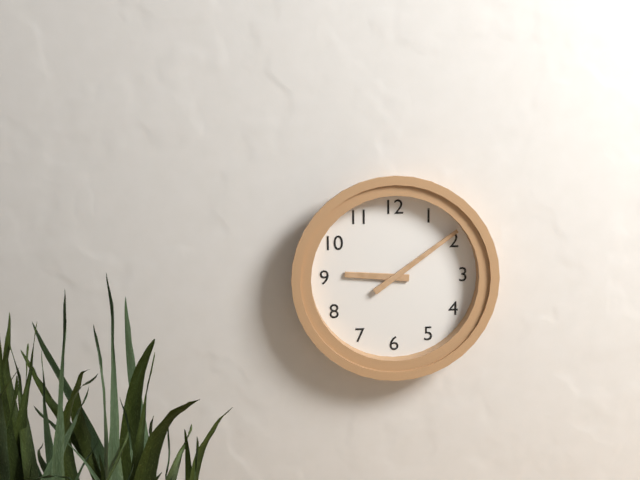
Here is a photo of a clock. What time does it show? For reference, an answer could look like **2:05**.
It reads **9:09**
